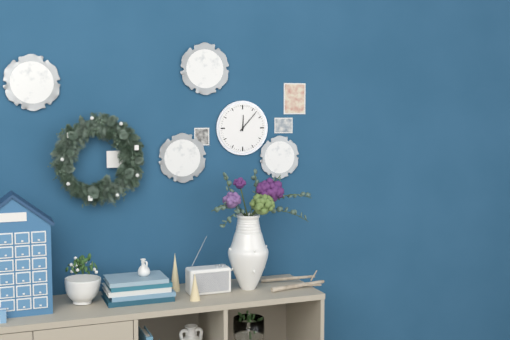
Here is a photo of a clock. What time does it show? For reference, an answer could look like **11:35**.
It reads **12:07**
